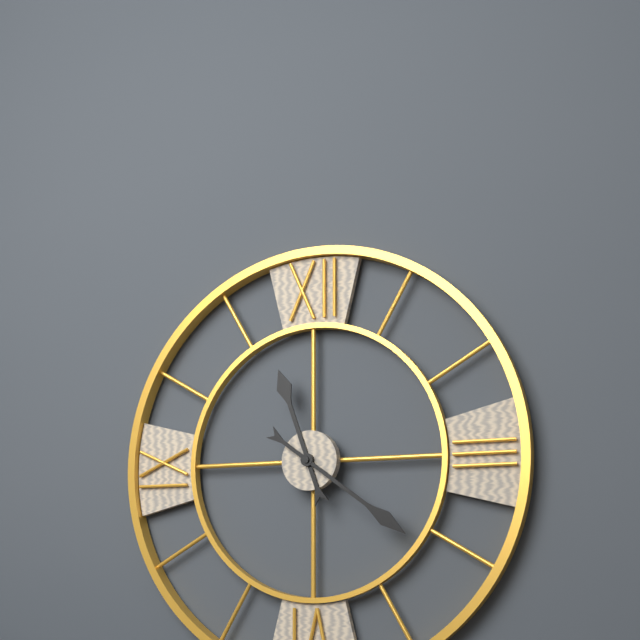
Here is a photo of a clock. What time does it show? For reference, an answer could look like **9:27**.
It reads **11:21**
